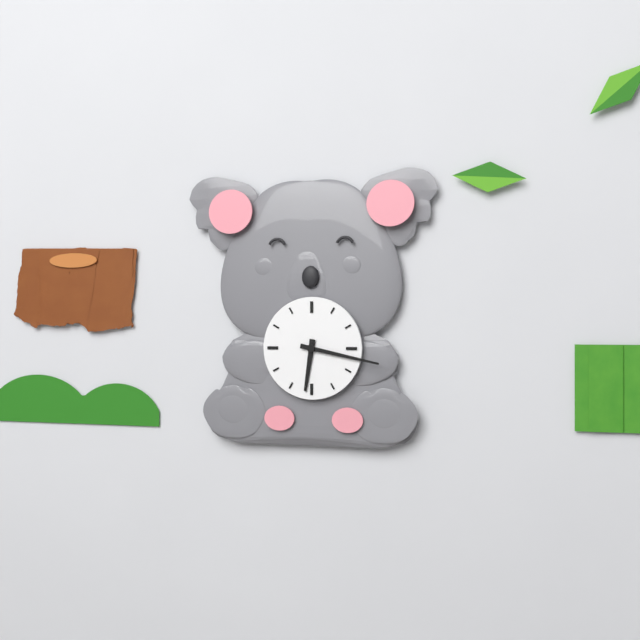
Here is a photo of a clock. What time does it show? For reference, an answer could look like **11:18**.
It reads **6:17**
